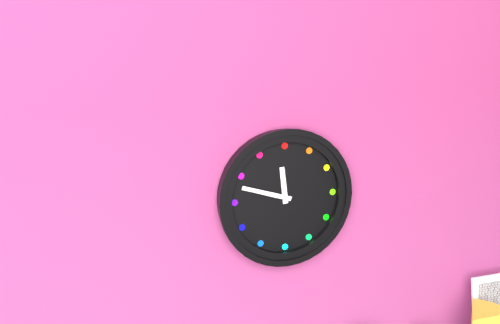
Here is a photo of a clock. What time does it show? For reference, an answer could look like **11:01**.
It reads **11:48**
